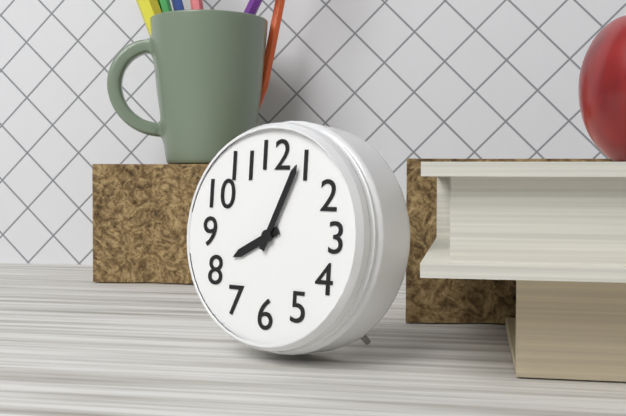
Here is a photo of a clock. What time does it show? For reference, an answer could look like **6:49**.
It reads **8:04**
